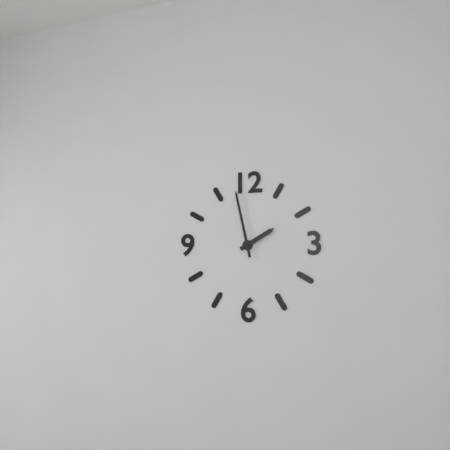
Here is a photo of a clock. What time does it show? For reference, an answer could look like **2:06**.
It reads **1:58**
